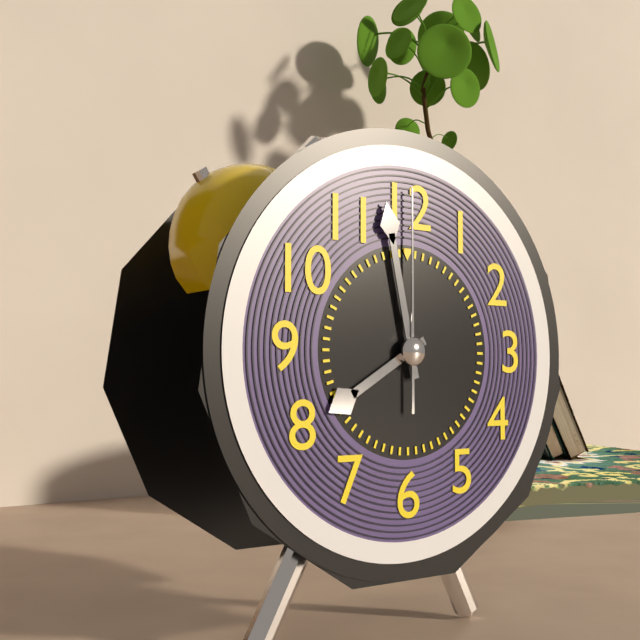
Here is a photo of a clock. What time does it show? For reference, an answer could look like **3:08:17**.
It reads **7:58:00**
